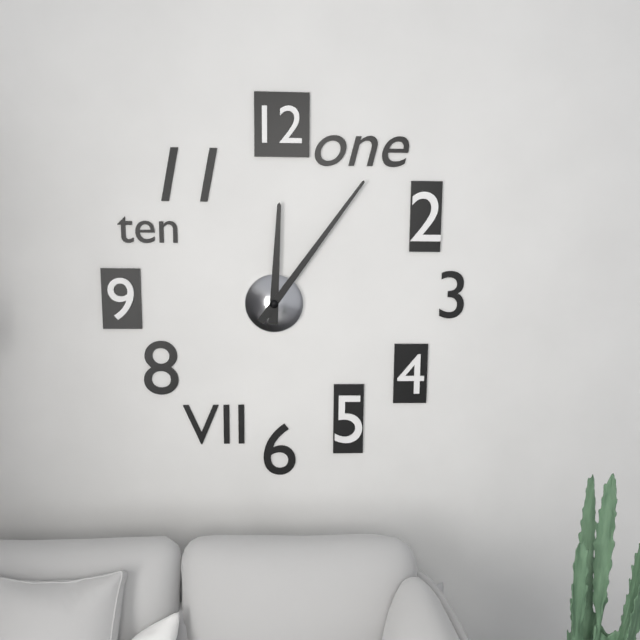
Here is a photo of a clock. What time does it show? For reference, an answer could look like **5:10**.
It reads **12:06**
